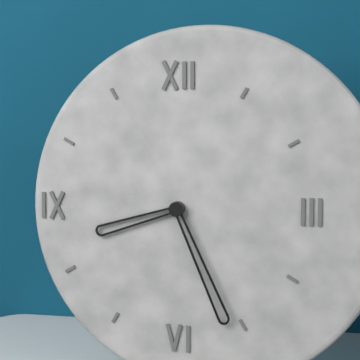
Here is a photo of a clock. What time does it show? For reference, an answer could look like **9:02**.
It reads **8:26**
